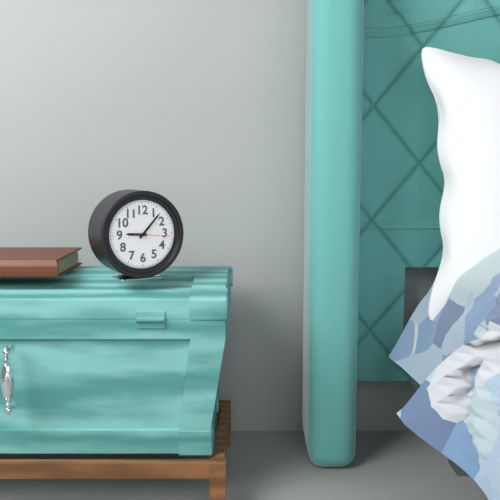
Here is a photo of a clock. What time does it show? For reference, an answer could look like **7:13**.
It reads **9:07**
